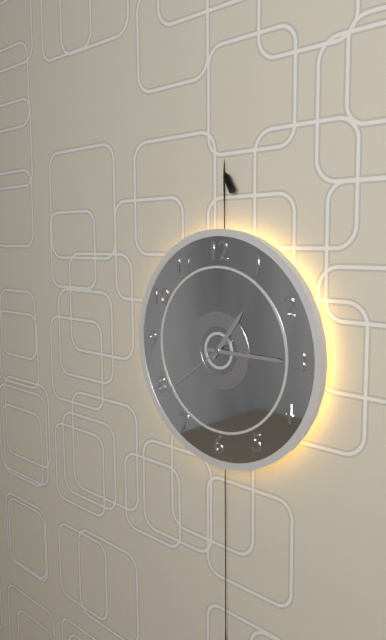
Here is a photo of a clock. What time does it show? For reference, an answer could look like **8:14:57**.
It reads **1:15:39**
